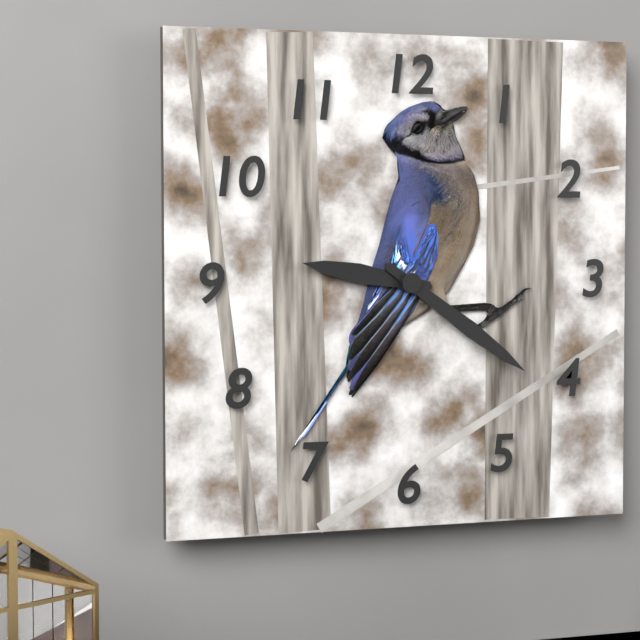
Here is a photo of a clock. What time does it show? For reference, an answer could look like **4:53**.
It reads **9:21**
